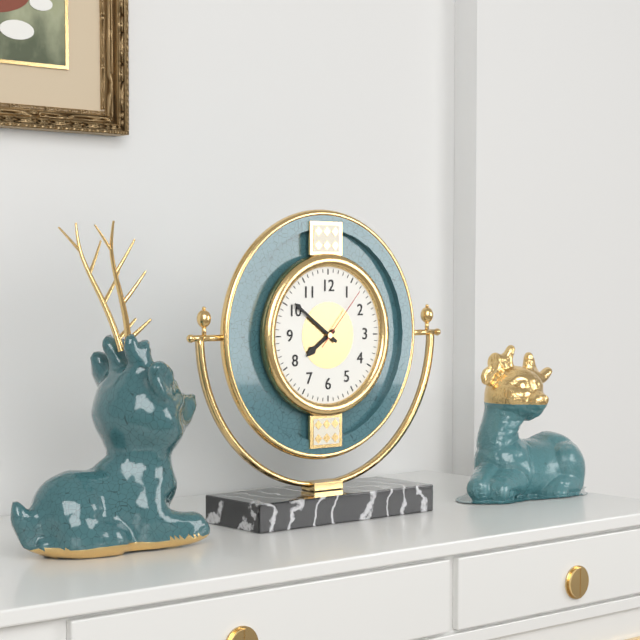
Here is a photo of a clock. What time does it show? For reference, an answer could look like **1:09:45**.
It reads **7:51:07**
